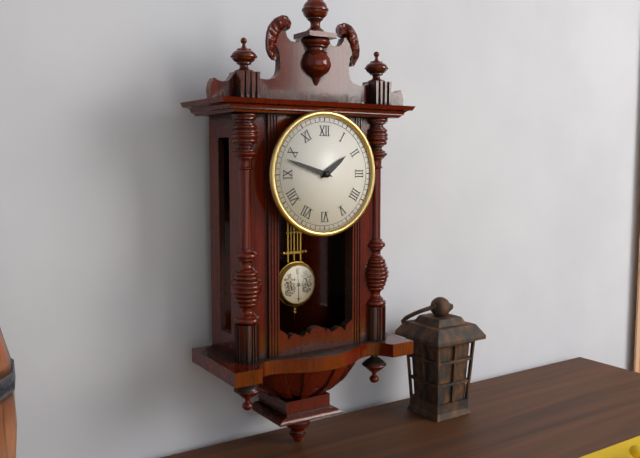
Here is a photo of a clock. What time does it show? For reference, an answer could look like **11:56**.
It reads **1:48**
